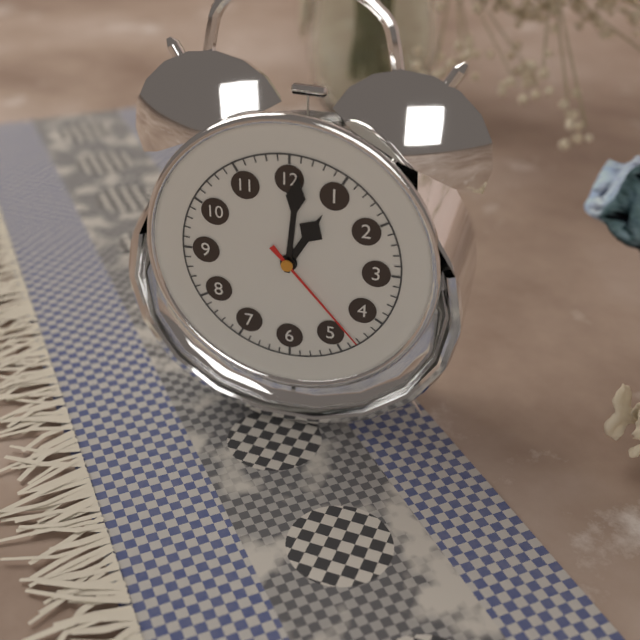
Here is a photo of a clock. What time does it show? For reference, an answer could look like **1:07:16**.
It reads **1:01:23**
